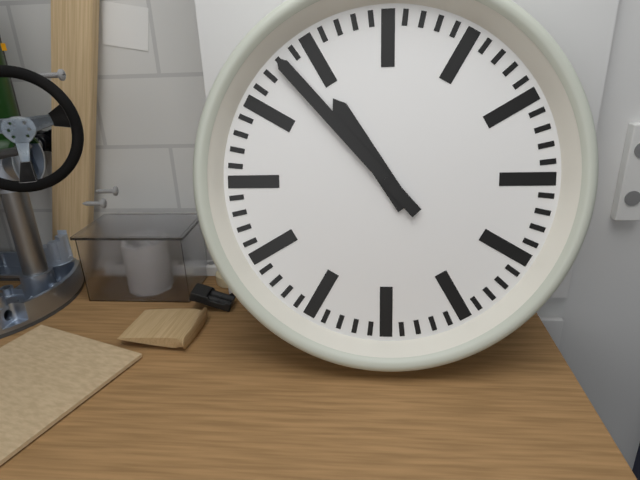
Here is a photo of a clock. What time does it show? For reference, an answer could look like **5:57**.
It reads **10:53**
